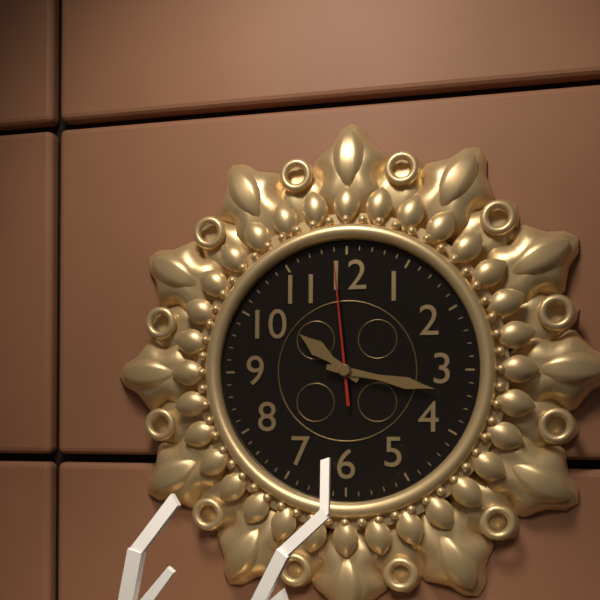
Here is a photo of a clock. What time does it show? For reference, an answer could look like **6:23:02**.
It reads **10:17:59**
